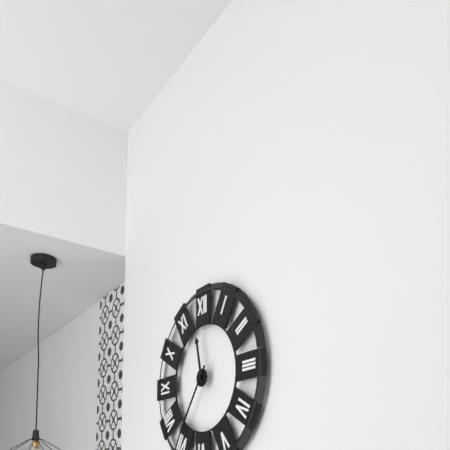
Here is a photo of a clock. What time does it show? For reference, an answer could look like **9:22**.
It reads **11:36**
